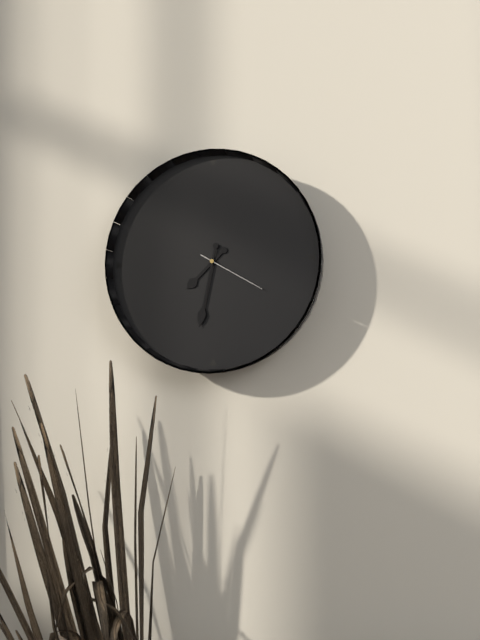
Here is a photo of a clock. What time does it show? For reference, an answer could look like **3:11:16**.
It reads **7:32:20**
